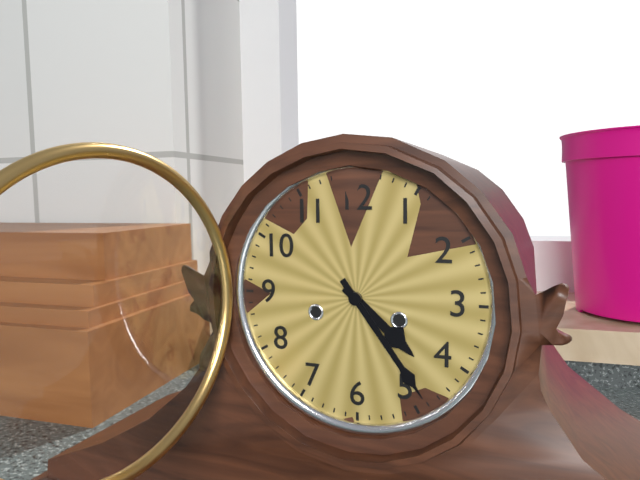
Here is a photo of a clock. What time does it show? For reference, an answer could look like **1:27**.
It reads **4:24**
